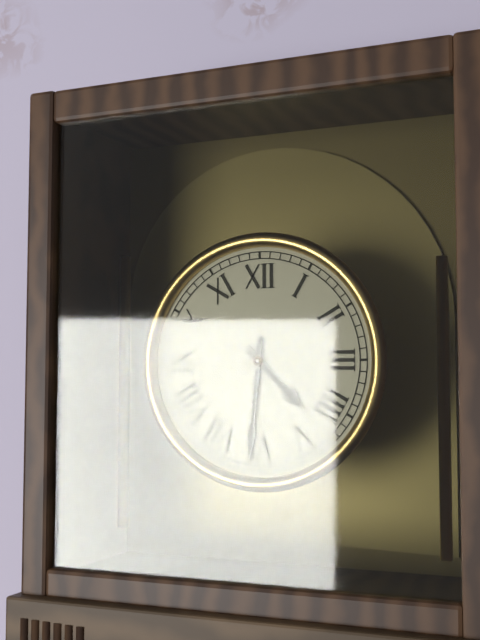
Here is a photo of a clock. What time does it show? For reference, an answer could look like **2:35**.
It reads **4:31**
